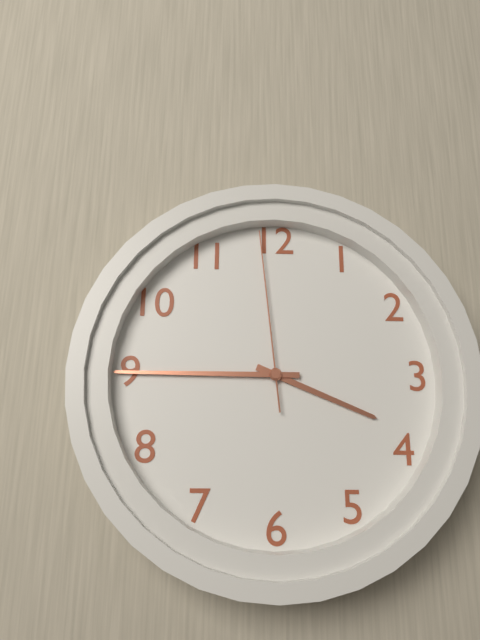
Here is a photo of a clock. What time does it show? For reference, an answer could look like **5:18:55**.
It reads **3:45:59**
